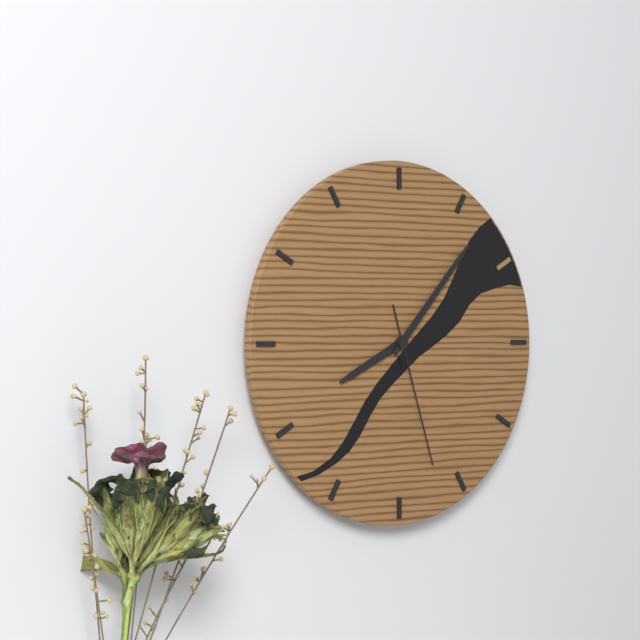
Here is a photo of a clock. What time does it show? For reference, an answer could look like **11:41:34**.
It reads **8:07:27**
